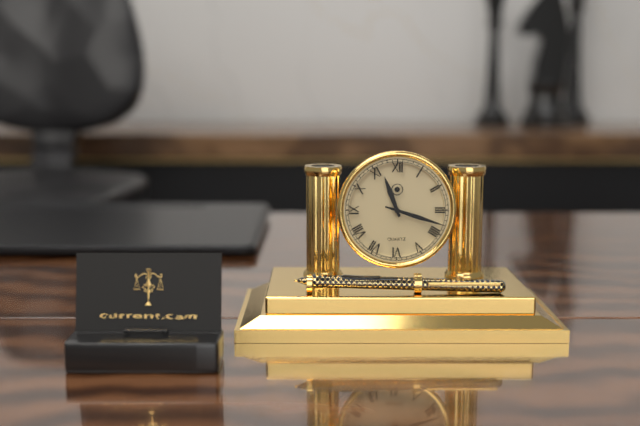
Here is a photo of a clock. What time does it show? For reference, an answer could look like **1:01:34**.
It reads **11:18:18**
